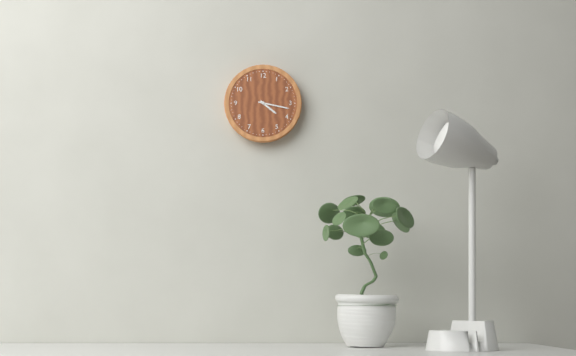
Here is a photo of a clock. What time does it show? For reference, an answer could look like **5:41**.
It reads **4:17**
